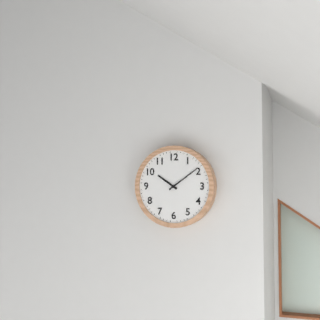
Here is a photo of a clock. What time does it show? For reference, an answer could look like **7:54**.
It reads **10:09**
